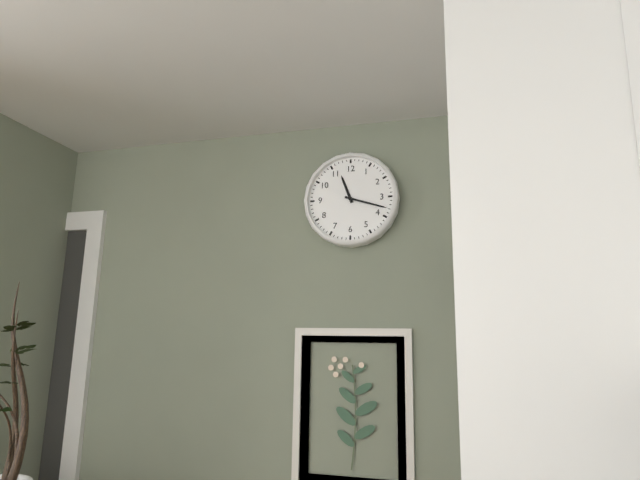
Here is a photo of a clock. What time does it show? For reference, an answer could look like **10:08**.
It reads **11:18**
